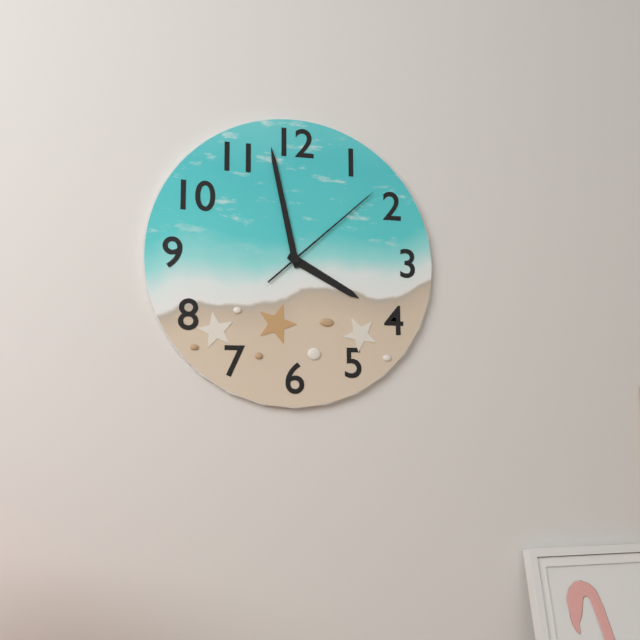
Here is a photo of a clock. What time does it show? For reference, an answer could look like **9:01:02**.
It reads **3:58:08**
